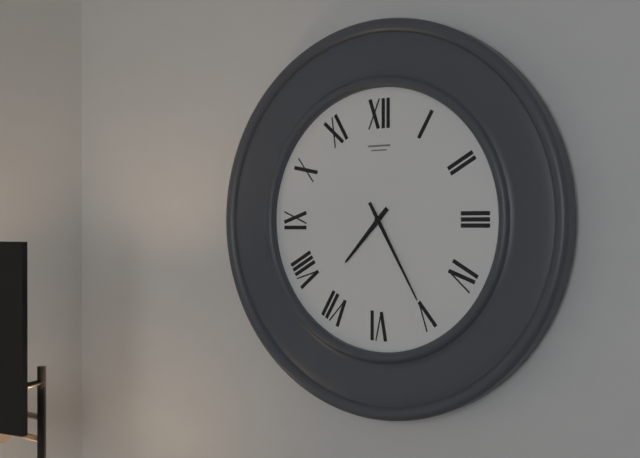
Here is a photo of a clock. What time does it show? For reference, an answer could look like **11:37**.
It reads **7:25**
